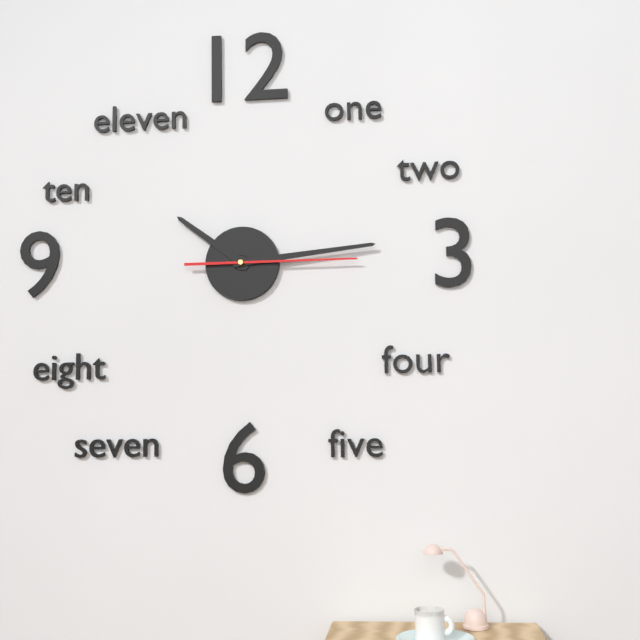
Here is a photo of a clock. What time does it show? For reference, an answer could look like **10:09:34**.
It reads **10:14:15**
